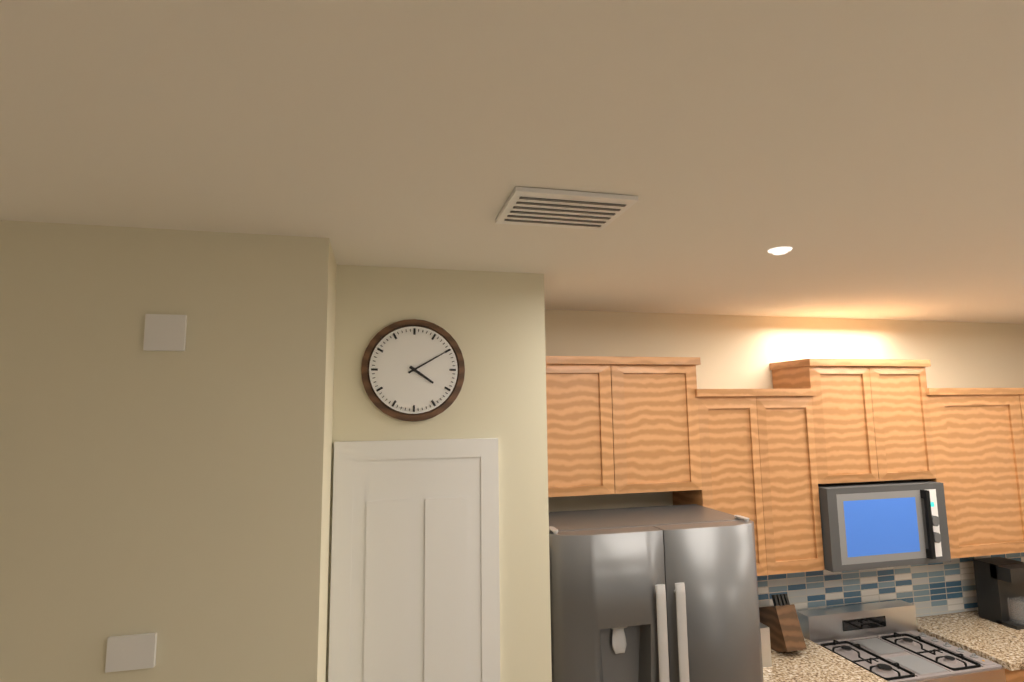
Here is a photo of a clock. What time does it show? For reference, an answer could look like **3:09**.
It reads **4:10**
